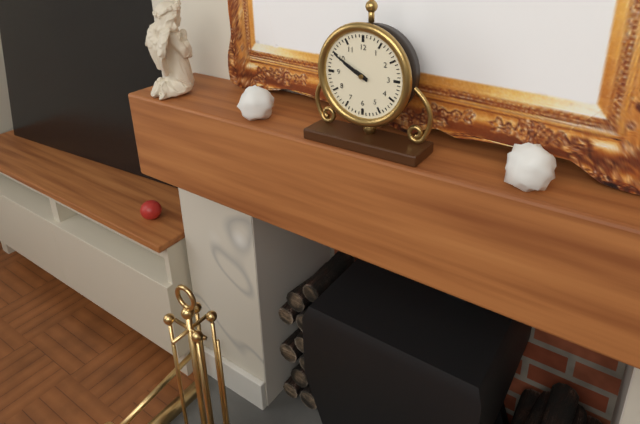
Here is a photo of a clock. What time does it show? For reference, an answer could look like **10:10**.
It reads **9:50**
